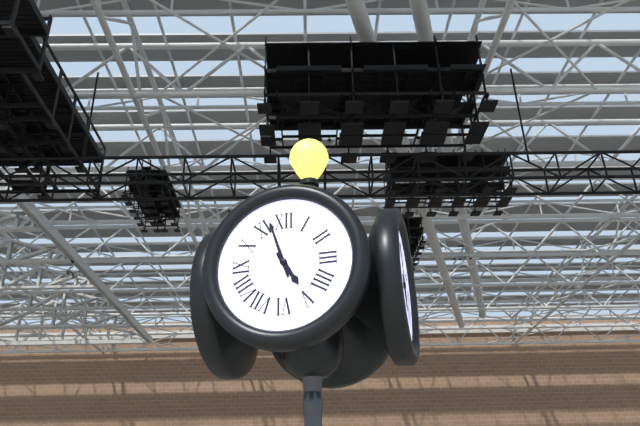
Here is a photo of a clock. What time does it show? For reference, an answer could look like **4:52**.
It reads **4:57**
